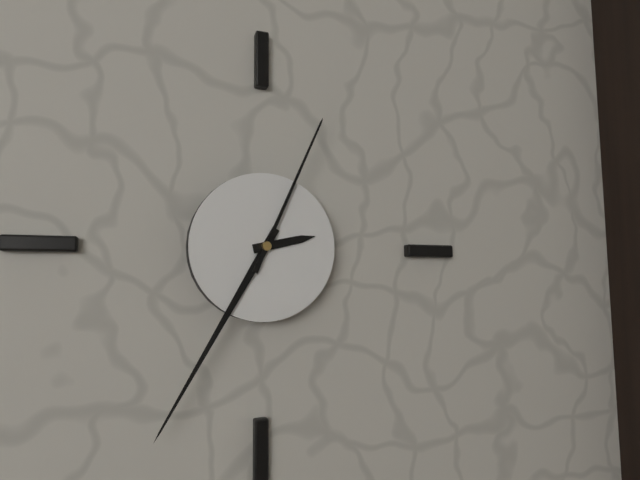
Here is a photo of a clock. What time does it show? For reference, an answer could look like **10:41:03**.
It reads **2:35:04**
